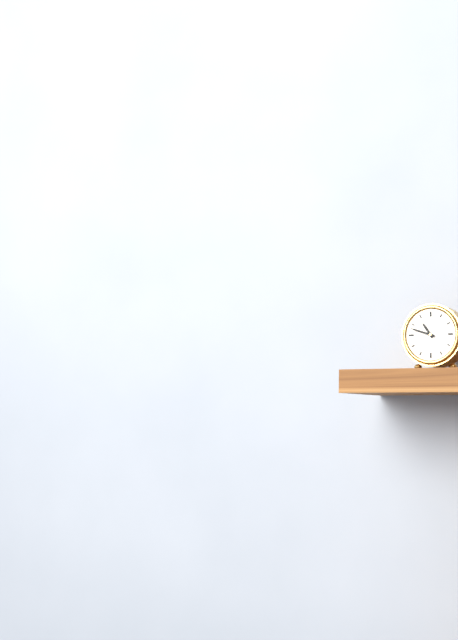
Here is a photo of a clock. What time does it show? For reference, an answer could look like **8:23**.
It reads **10:48**
